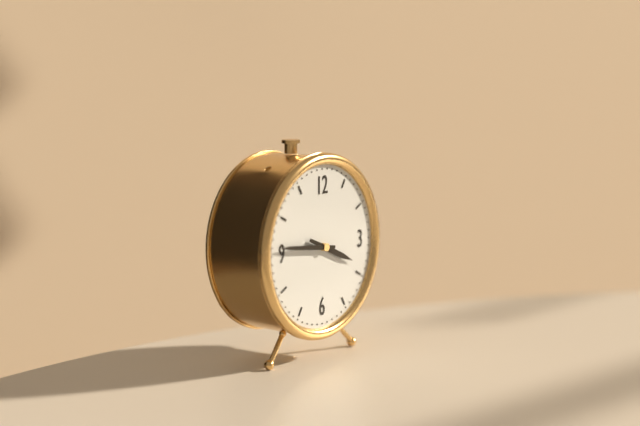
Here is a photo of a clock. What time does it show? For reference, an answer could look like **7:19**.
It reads **3:46**
